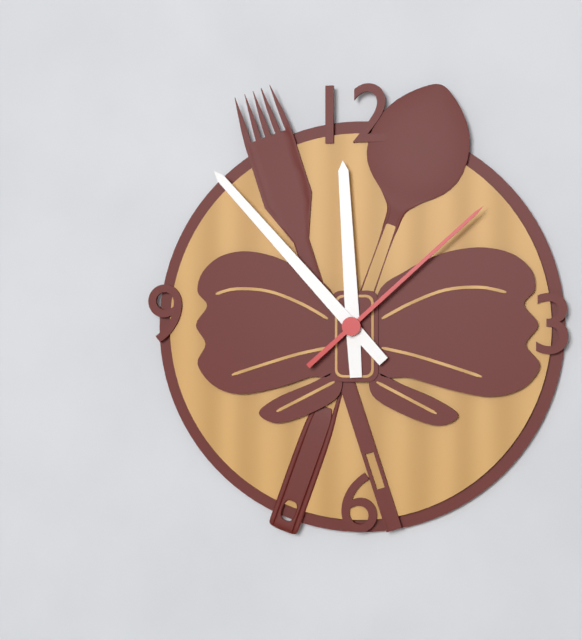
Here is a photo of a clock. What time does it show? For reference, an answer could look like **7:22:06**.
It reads **11:53:08**
